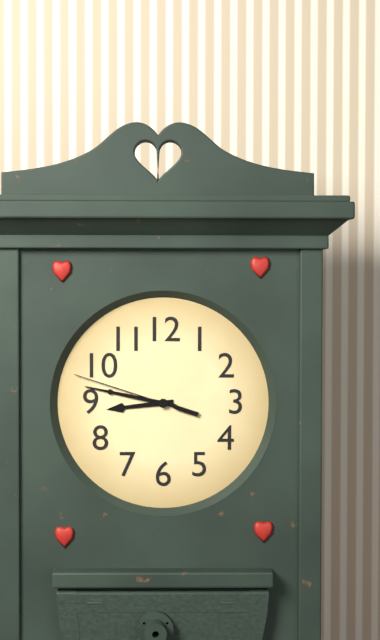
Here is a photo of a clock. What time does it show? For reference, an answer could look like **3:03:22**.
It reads **8:47:48**
